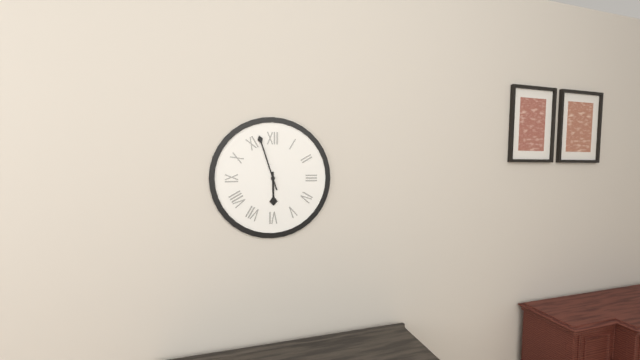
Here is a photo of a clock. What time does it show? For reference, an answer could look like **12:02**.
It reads **5:57**
